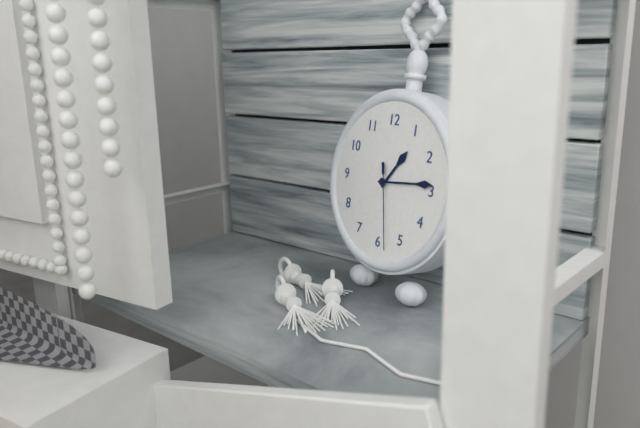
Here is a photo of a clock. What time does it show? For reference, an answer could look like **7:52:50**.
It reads **1:14:28**
